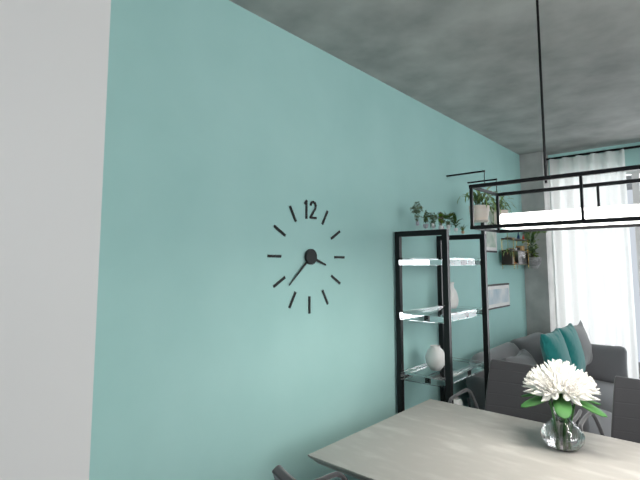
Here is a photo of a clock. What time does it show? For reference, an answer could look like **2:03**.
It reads **3:38**
